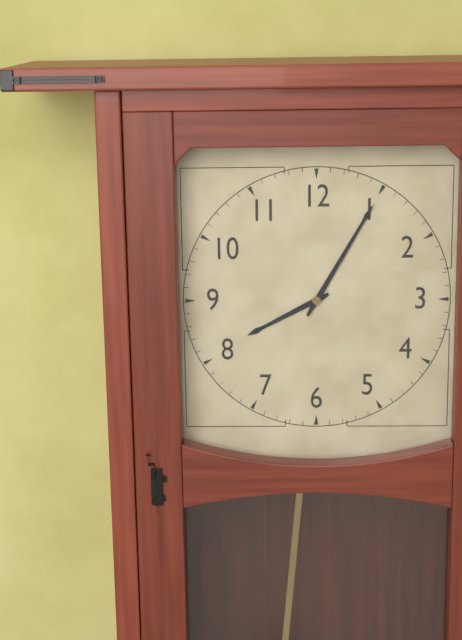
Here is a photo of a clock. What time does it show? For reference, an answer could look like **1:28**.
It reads **8:05**
